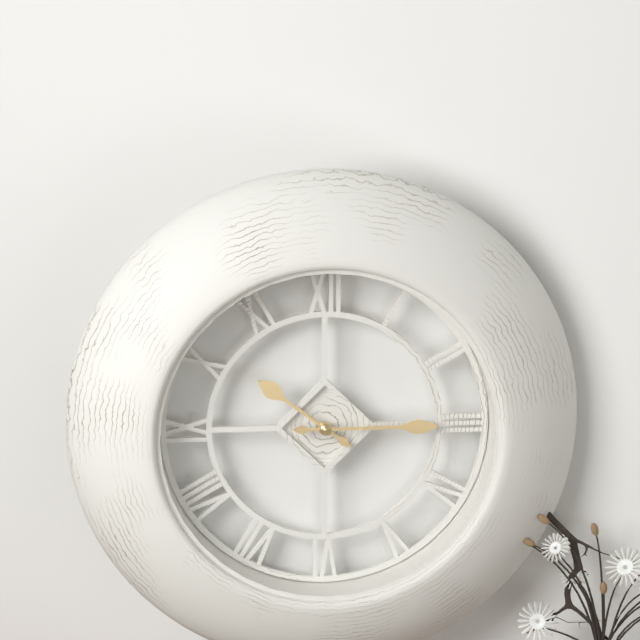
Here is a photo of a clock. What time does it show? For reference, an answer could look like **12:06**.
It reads **10:15**
